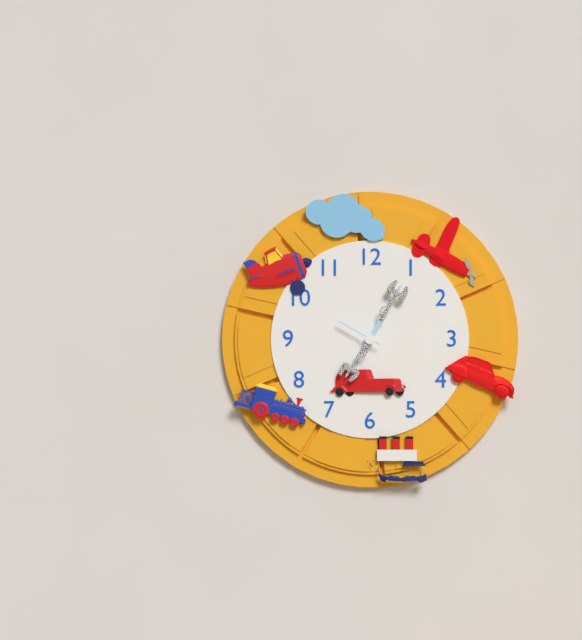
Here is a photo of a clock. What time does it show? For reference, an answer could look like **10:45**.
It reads **7:05**
